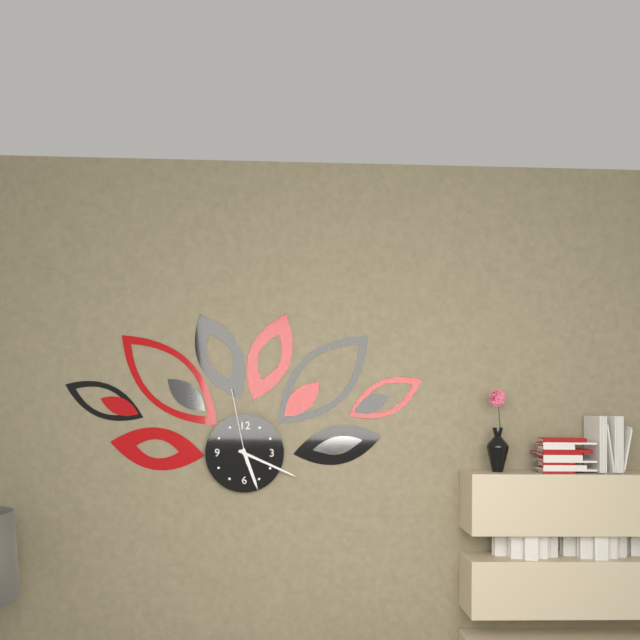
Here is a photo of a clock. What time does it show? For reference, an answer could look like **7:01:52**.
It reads **5:19:58**
